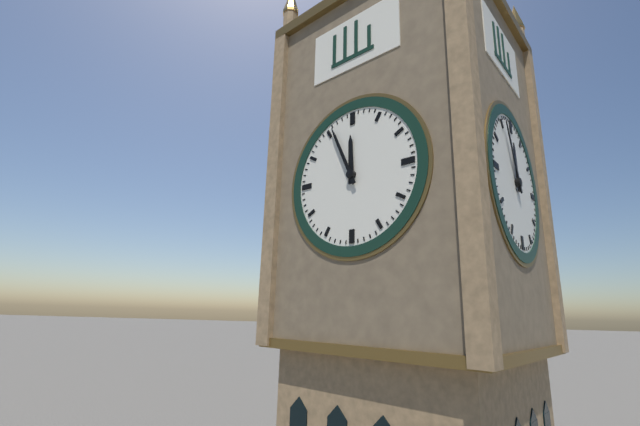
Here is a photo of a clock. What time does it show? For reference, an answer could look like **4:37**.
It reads **11:56**
